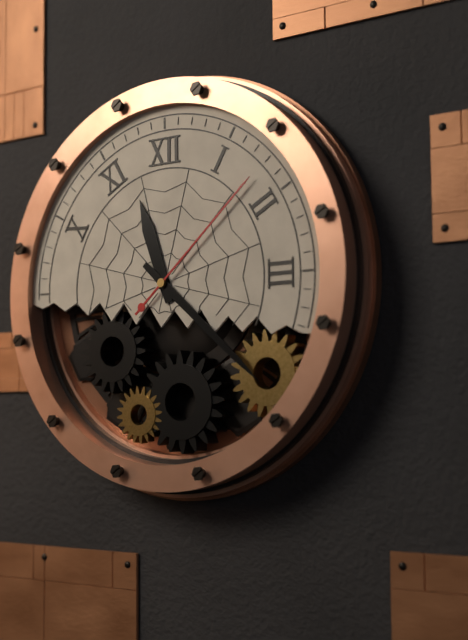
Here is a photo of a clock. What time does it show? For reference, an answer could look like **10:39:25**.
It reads **11:22:08**
